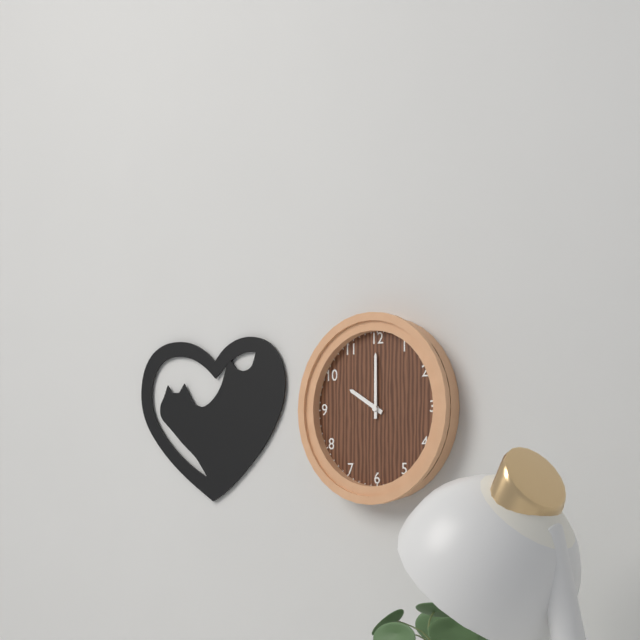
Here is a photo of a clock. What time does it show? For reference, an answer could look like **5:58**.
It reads **10:00**
